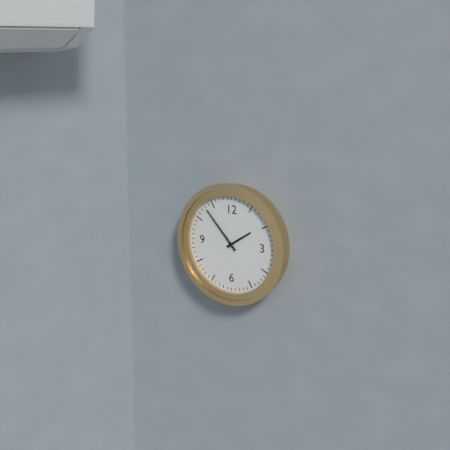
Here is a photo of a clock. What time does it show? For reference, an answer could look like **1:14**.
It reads **1:53**
